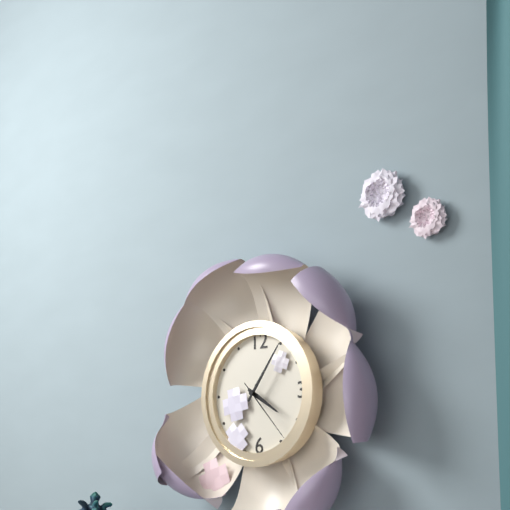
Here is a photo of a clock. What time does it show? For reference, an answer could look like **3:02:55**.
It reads **4:06:23**
